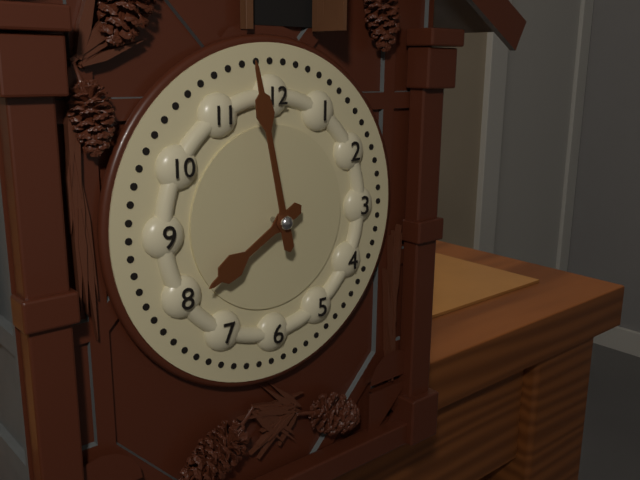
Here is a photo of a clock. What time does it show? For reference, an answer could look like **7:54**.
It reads **7:58**
